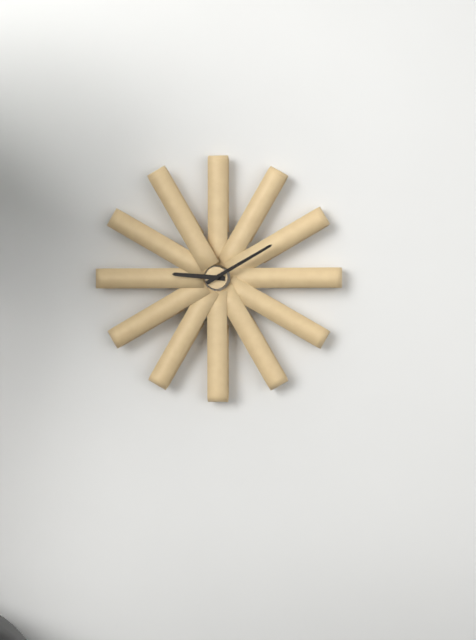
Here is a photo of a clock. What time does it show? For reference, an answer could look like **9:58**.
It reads **9:10**
